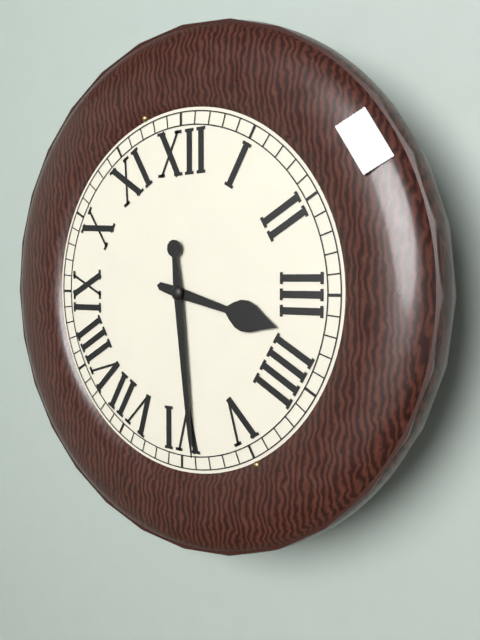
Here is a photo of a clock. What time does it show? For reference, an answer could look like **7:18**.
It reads **3:29**
